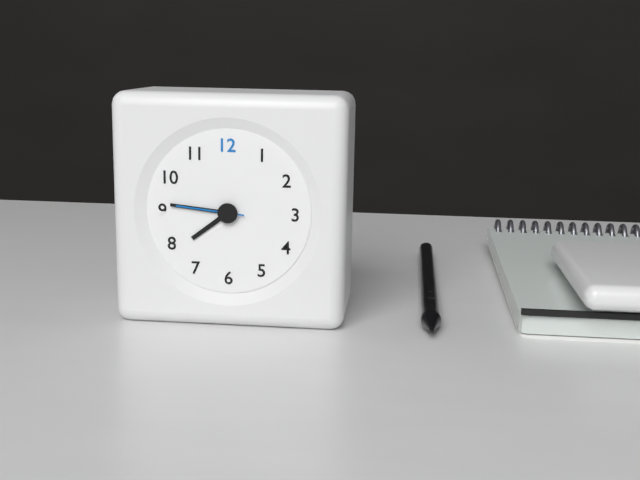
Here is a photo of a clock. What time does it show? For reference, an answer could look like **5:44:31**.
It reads **7:46:46**
